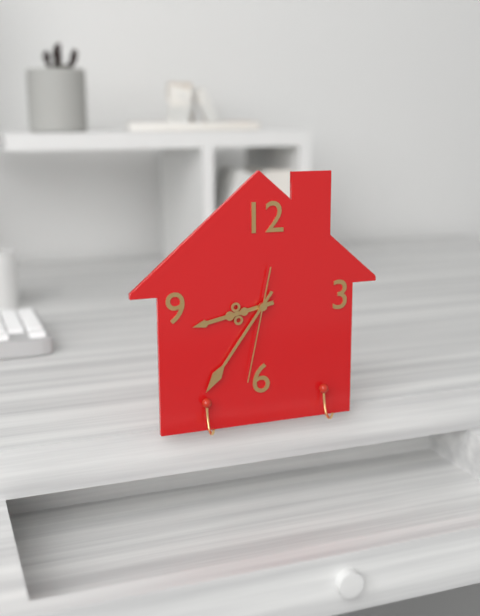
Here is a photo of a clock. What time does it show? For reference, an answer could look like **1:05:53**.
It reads **8:36:32**
